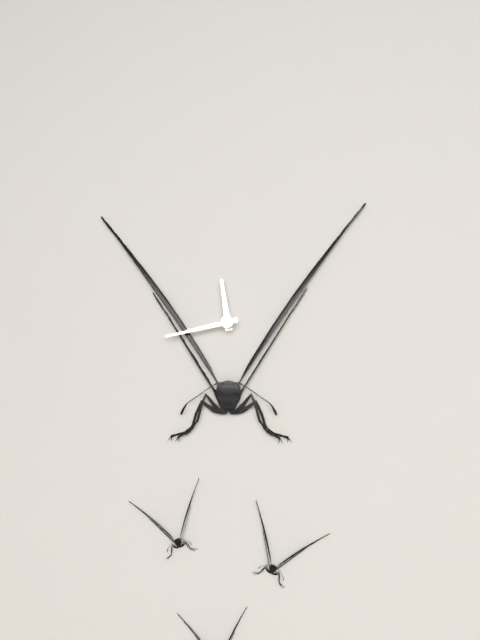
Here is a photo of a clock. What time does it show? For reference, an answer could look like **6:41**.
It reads **11:43**
